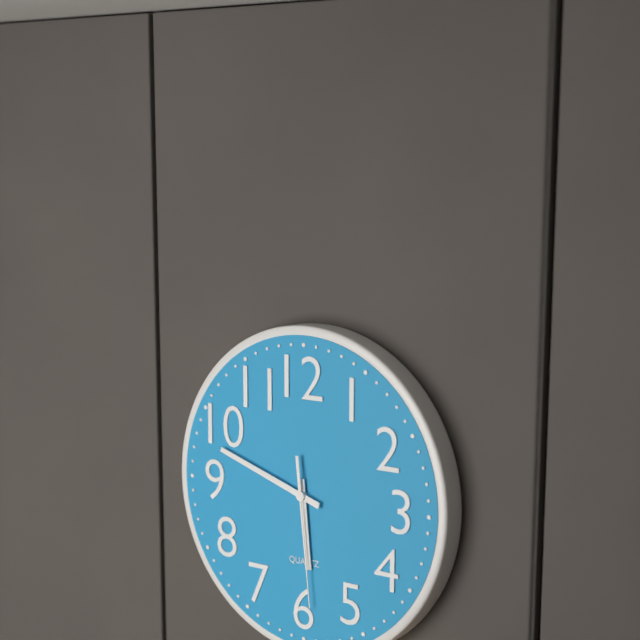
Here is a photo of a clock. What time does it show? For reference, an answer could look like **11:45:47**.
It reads **5:48:29**
